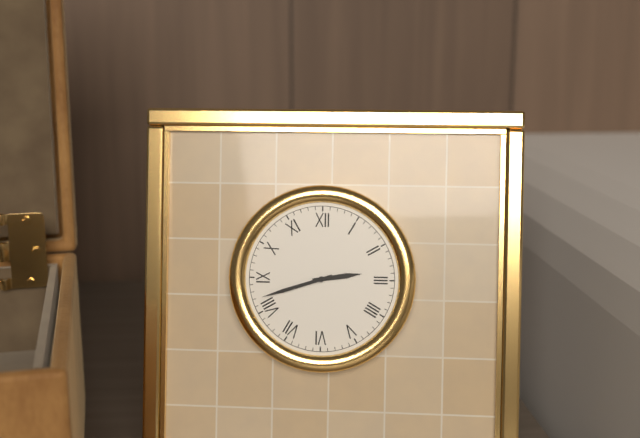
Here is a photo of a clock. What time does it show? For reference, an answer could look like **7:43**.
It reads **2:42**
